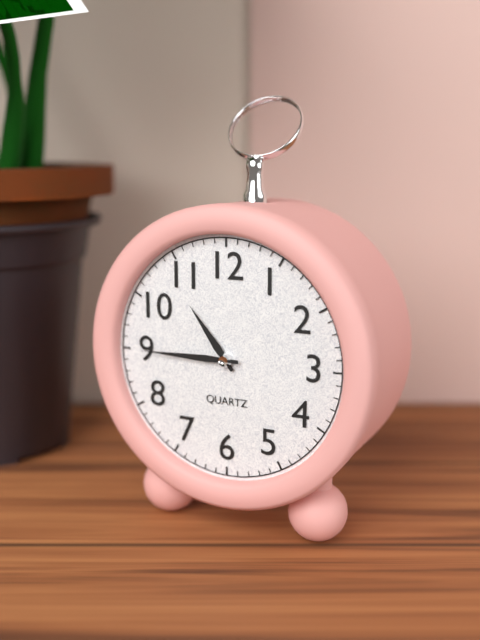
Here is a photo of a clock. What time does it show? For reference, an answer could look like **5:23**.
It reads **10:45**
